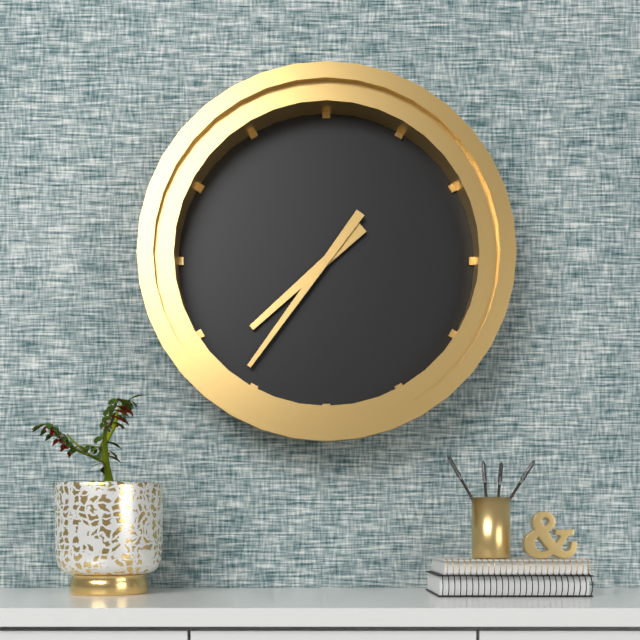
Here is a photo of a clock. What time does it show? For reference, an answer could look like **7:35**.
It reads **7:36**
